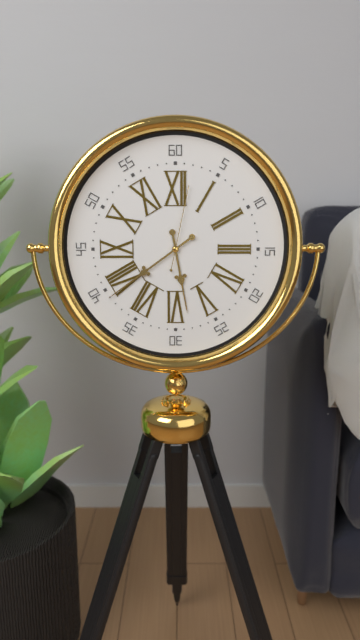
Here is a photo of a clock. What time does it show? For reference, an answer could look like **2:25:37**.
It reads **5:39:02**
